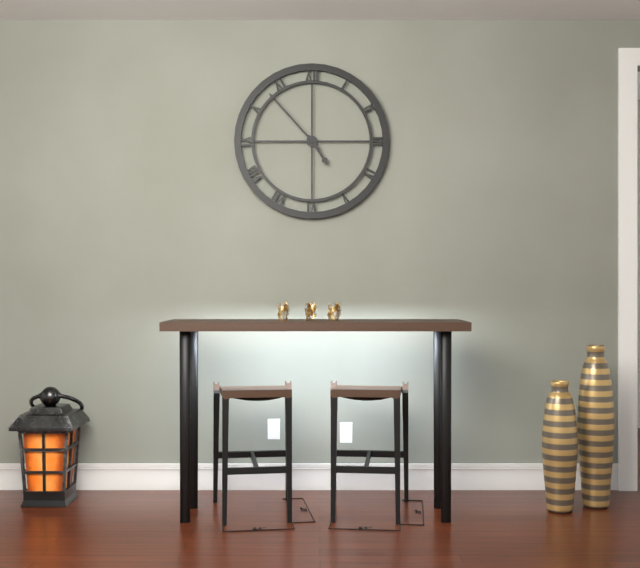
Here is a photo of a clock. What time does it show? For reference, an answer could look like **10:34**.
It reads **4:53**
